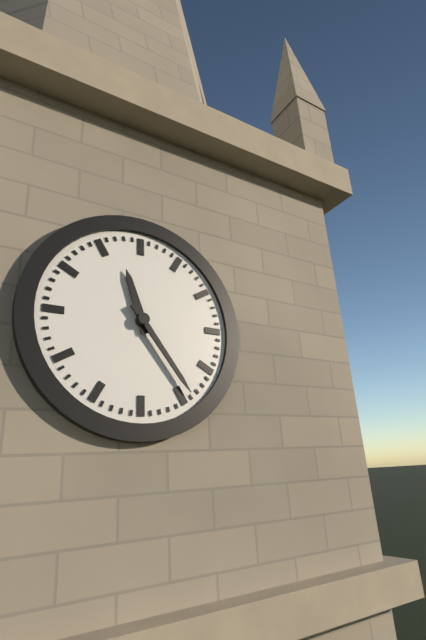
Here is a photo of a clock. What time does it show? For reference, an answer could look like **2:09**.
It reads **11:24**
